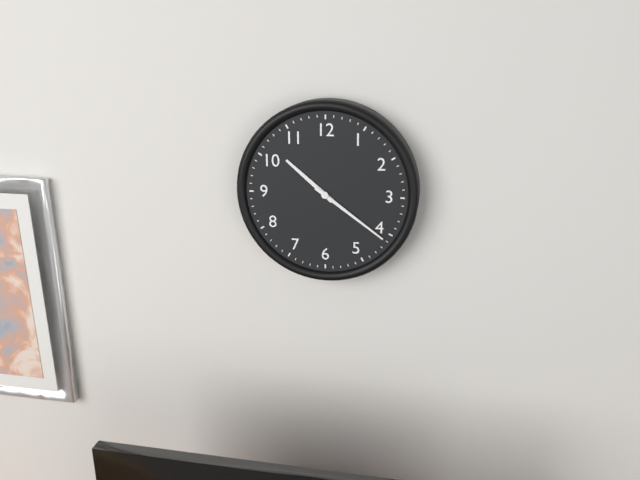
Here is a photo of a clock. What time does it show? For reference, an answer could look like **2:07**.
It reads **10:21**
